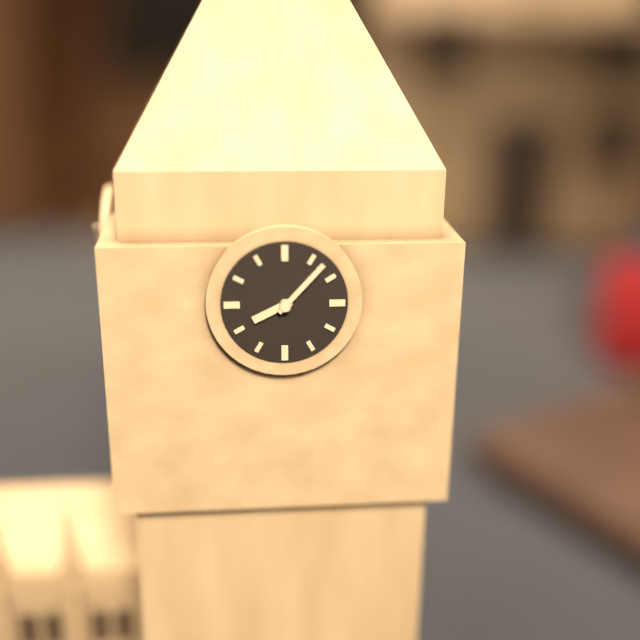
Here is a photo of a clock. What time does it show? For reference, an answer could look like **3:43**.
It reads **8:07**
